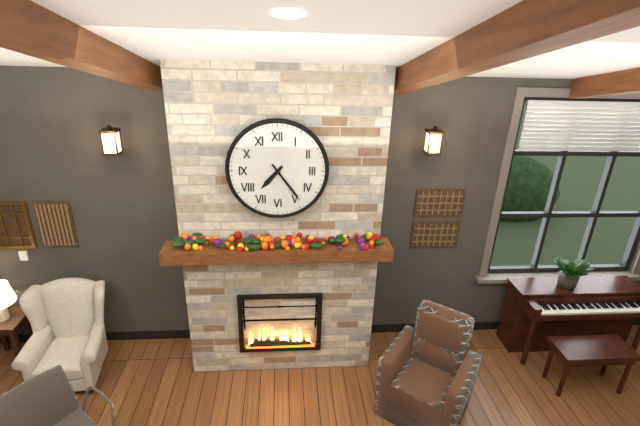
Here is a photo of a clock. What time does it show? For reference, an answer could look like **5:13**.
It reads **7:24**
